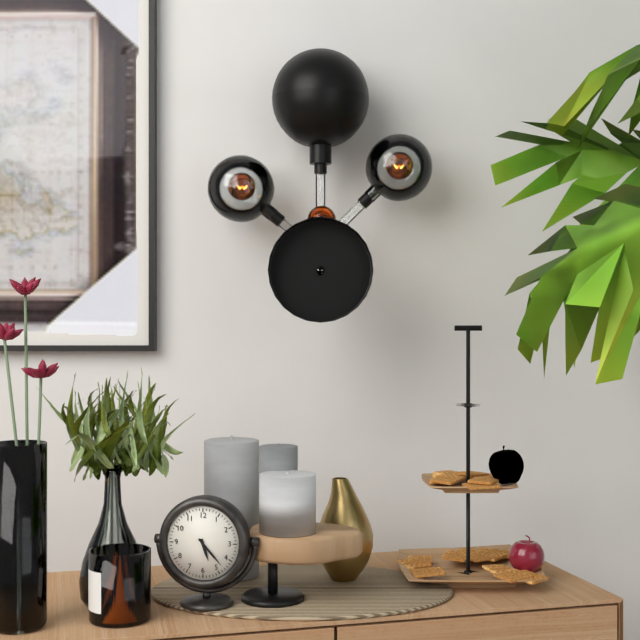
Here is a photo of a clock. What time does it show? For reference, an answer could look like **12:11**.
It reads **5:23**
